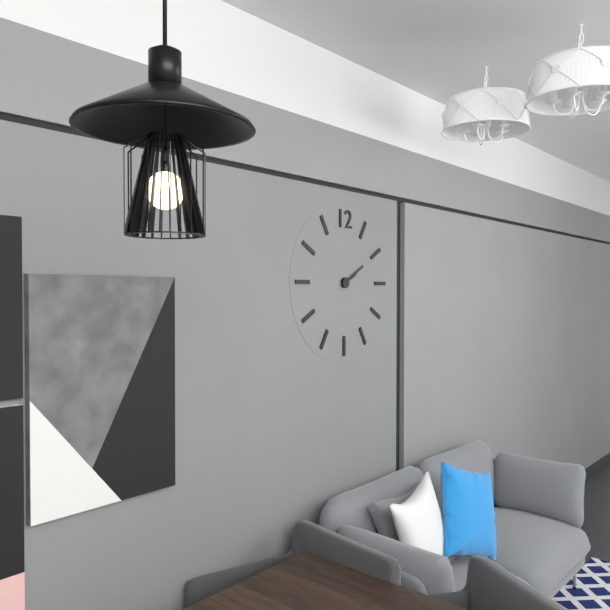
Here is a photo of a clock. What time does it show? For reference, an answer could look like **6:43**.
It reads **2:10**
